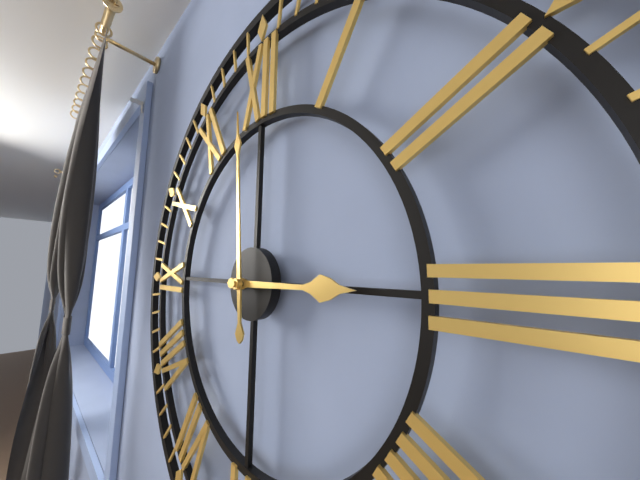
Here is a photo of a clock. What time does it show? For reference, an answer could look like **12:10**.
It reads **2:59**
